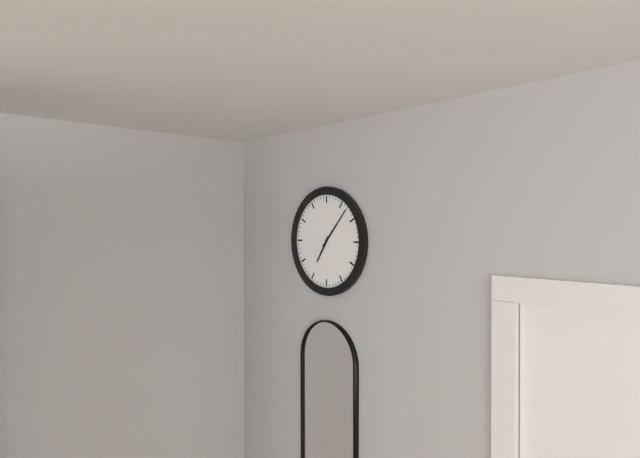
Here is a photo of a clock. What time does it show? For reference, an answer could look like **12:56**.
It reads **7:07**
